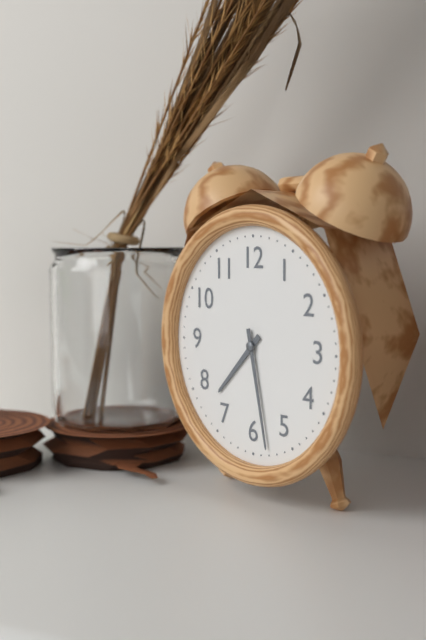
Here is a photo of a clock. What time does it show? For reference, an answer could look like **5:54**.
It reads **7:28**
